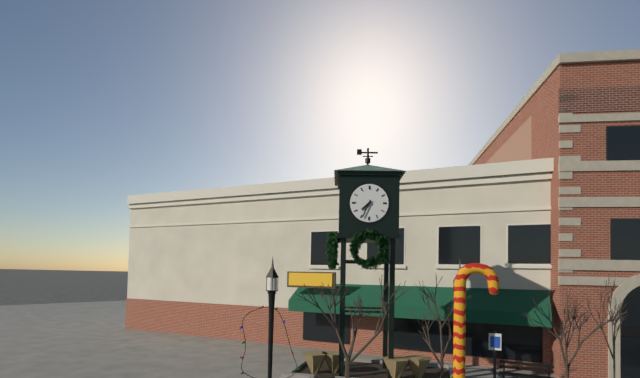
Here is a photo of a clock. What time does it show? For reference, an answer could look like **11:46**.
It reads **7:34**
